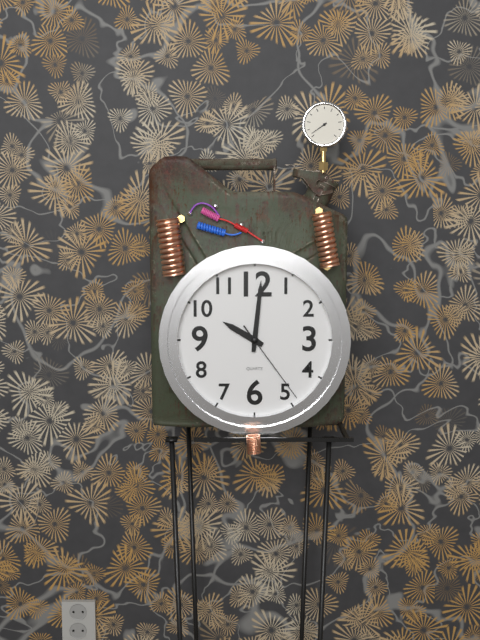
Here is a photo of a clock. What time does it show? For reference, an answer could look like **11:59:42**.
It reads **10:01:24**
